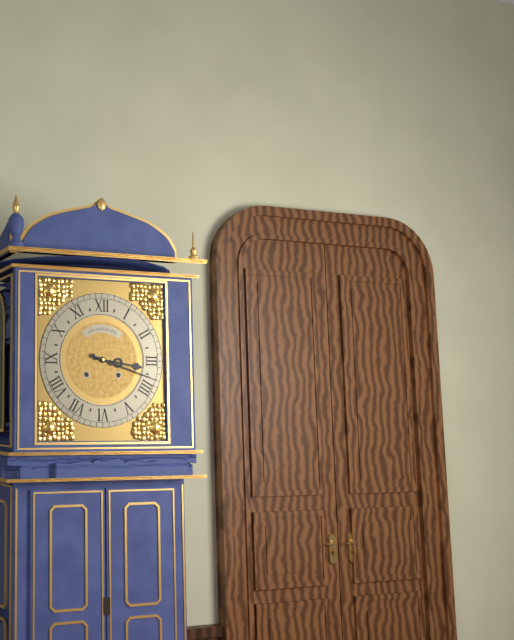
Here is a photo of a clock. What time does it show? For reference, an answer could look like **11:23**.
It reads **3:18**
